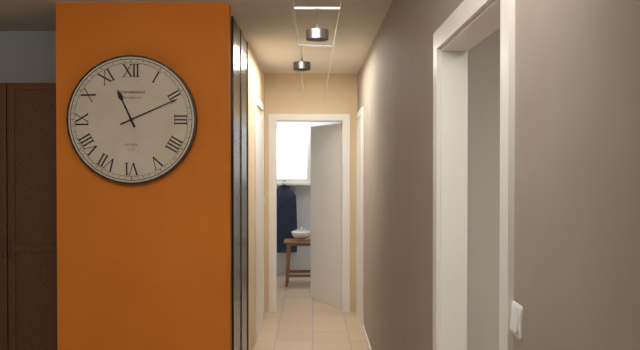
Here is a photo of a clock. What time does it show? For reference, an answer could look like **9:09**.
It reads **11:11**
